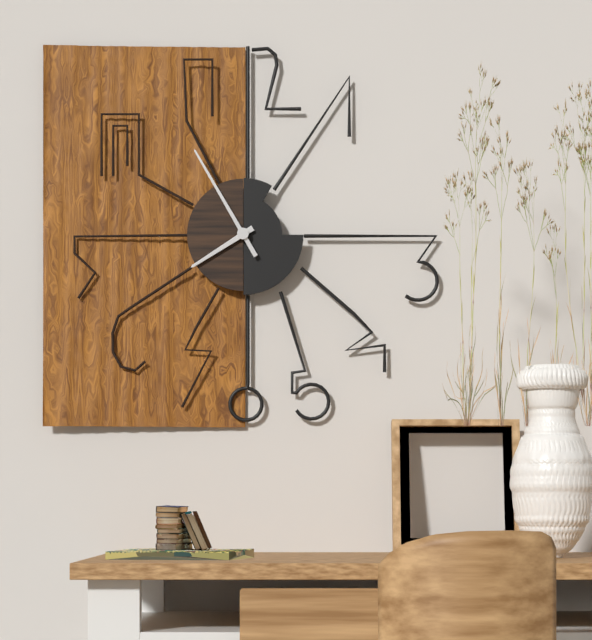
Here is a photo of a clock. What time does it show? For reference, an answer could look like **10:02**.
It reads **7:55**
